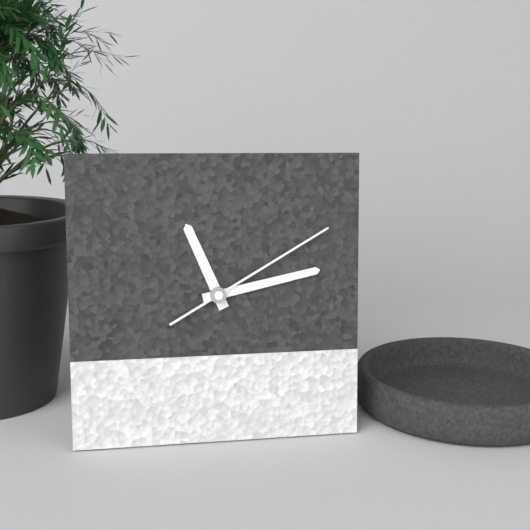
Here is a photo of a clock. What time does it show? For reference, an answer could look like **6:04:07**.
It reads **11:13:10**
